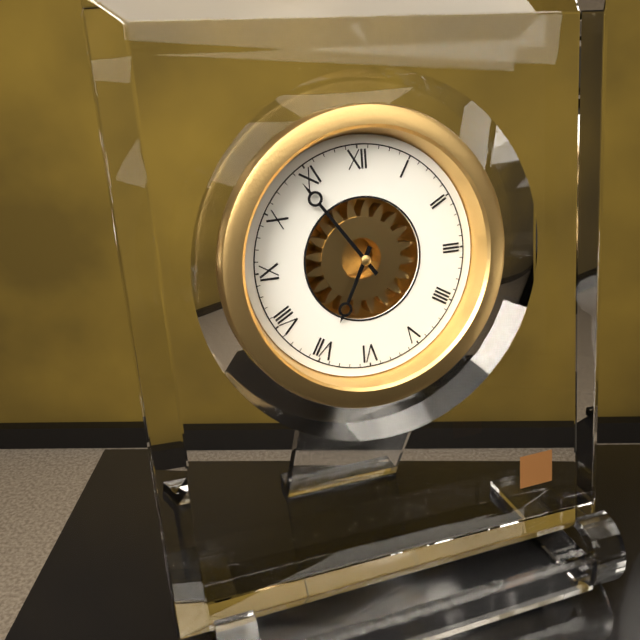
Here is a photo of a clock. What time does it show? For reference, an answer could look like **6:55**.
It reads **6:54**
